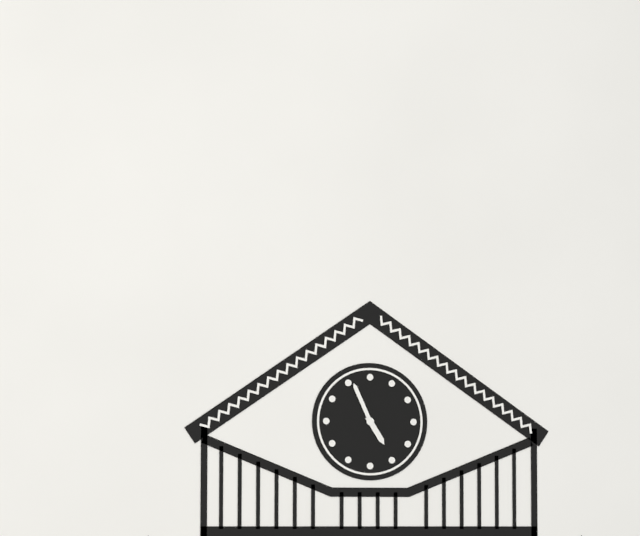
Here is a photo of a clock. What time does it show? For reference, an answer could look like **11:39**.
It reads **4:56**
